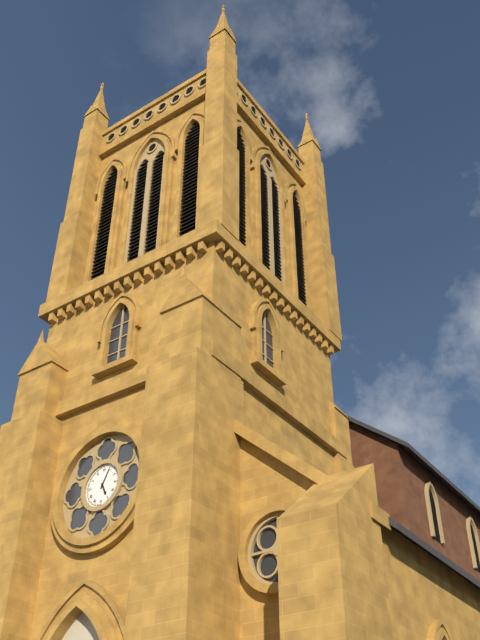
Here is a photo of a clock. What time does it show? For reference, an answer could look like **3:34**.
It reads **5:04**
